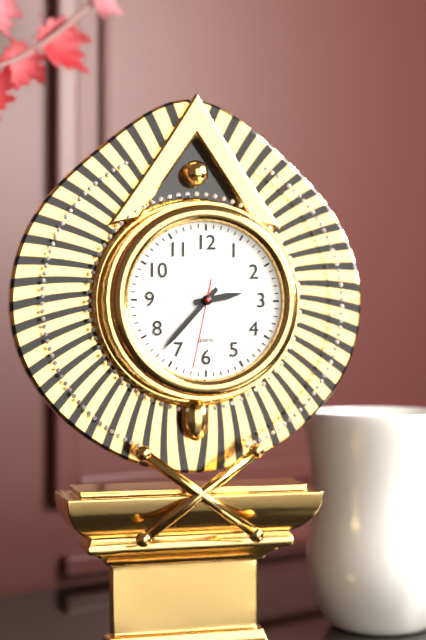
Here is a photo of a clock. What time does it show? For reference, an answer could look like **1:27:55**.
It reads **2:37:32**
